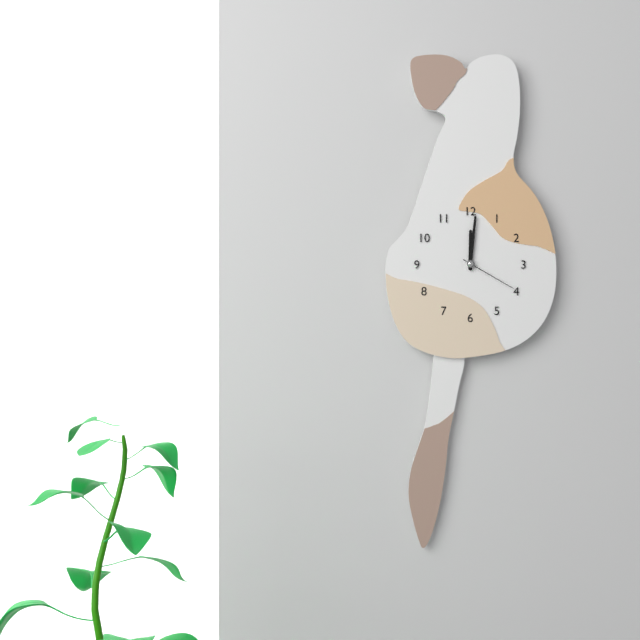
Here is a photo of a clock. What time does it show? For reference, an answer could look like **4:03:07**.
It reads **12:01:20**
